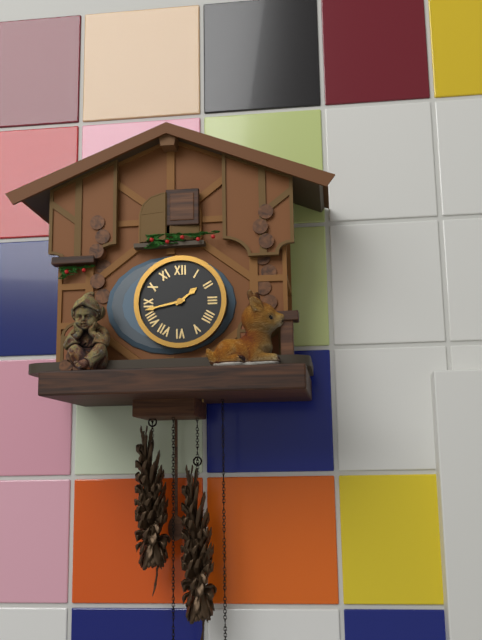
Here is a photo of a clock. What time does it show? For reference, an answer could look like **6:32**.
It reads **1:43**
